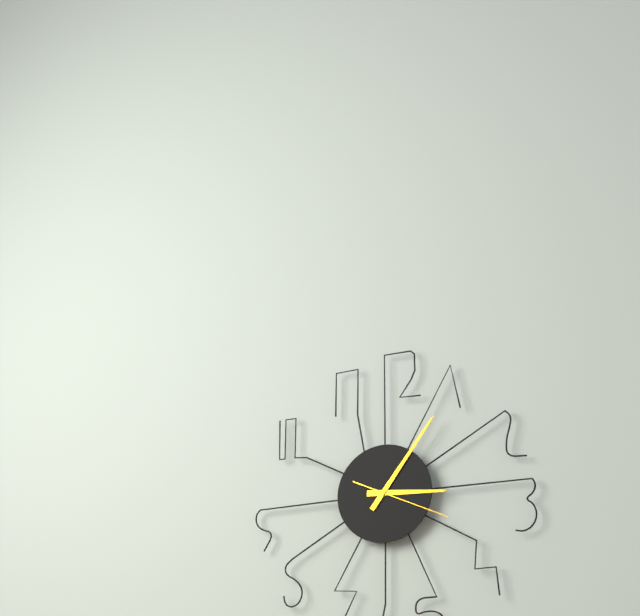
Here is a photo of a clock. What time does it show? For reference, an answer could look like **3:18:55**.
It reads **3:06:19**
